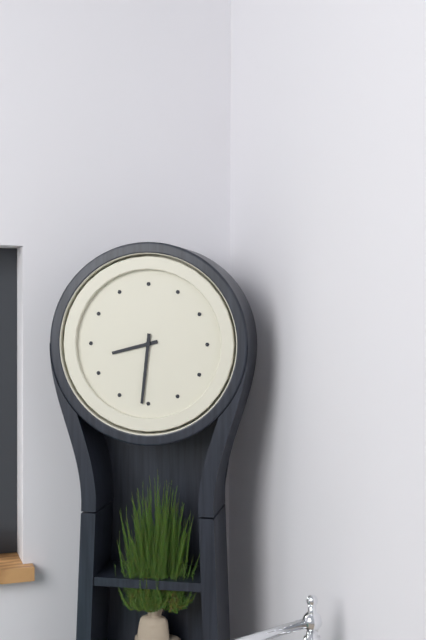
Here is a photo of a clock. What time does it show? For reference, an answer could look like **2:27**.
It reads **8:31**
